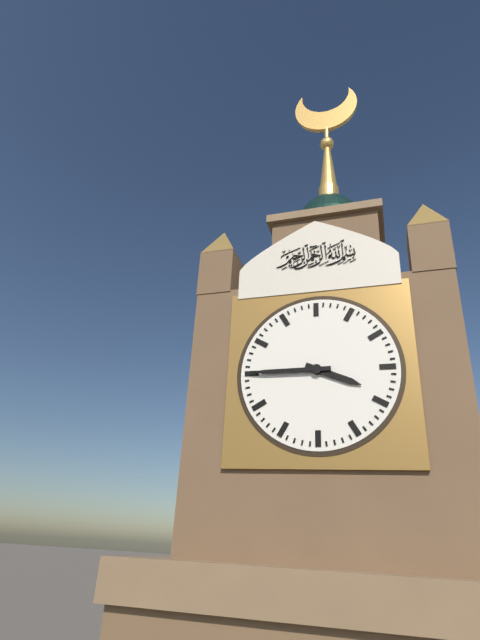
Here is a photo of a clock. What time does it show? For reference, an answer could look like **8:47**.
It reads **3:45**
